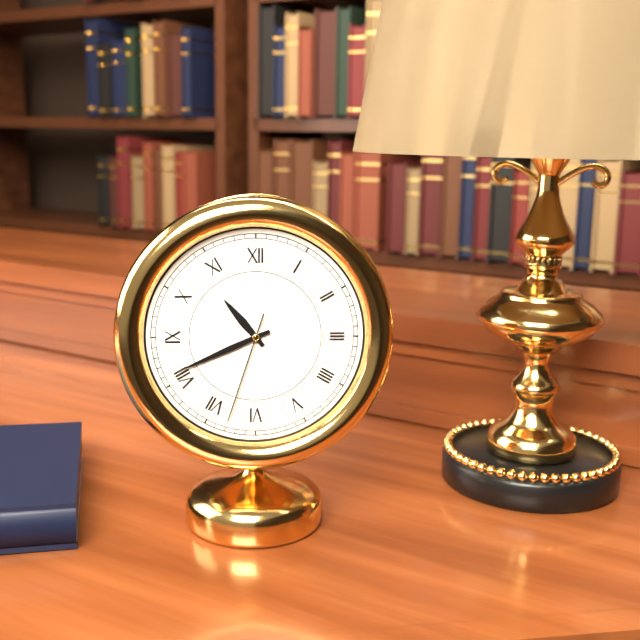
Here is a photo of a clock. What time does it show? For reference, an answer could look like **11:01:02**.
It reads **10:41:33**
